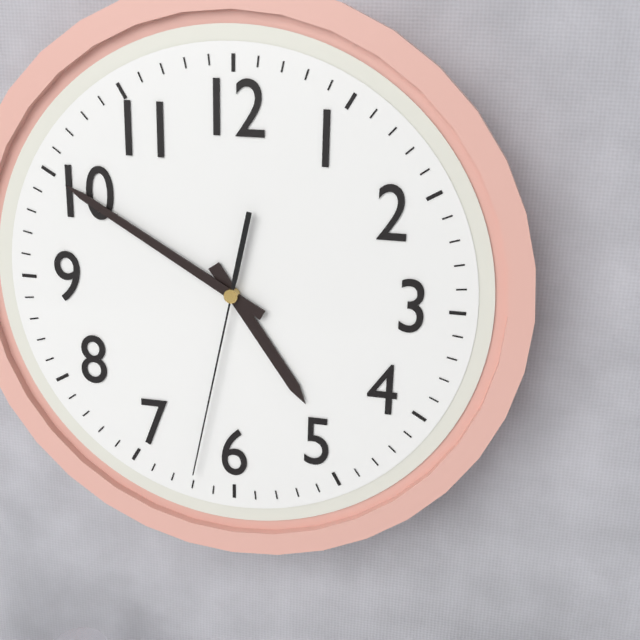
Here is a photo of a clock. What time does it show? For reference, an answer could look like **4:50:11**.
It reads **4:50:32**
